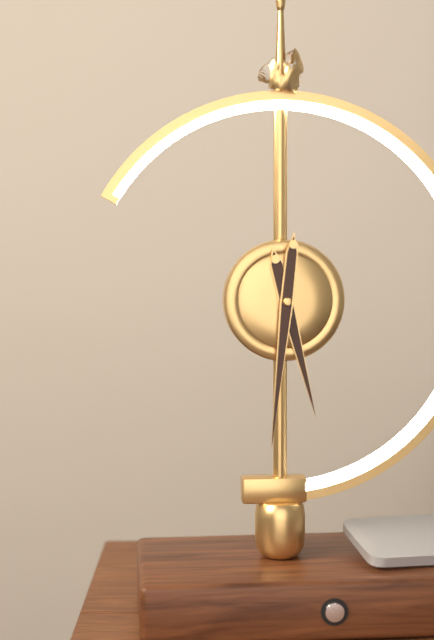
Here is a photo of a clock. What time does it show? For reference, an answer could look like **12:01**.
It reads **5:31**
